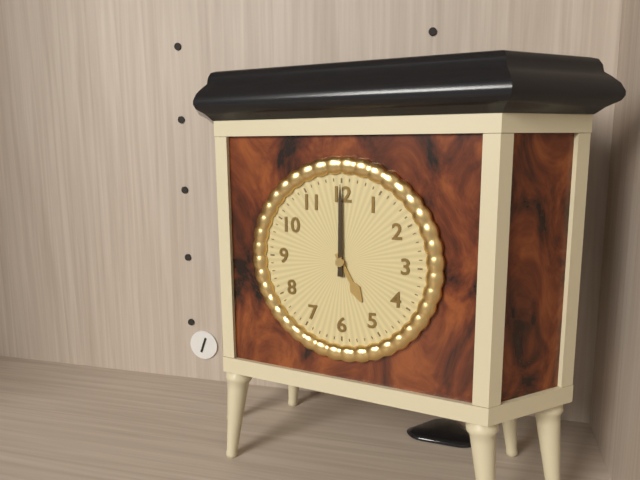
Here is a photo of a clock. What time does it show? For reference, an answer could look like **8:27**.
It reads **5:00**
